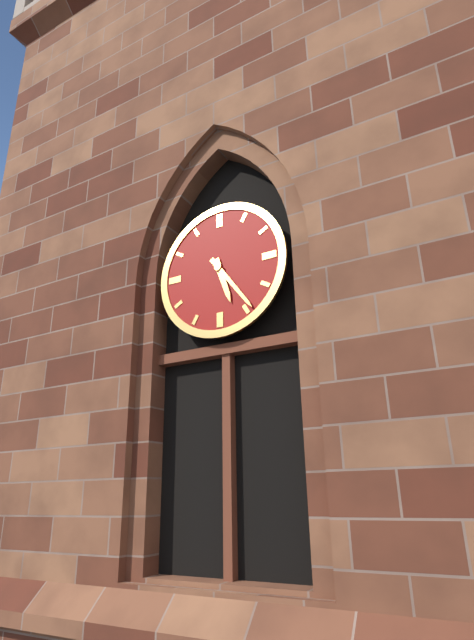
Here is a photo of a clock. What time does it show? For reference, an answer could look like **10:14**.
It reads **5:24**
